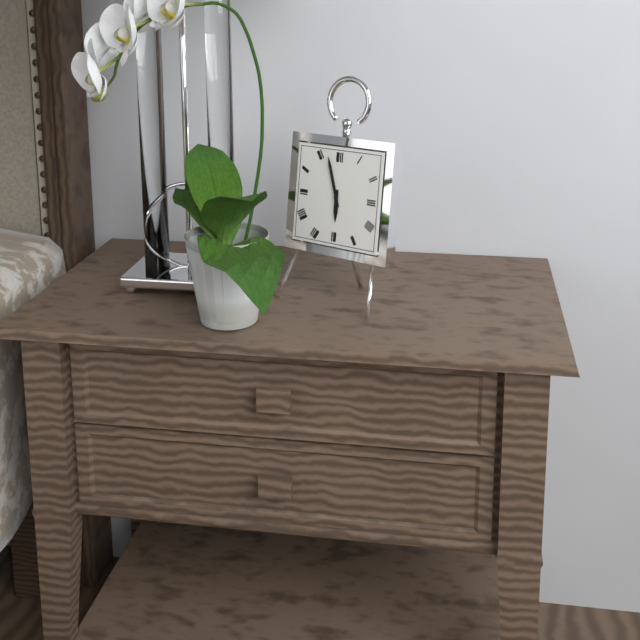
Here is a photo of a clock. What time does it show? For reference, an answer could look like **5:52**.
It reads **5:57**
